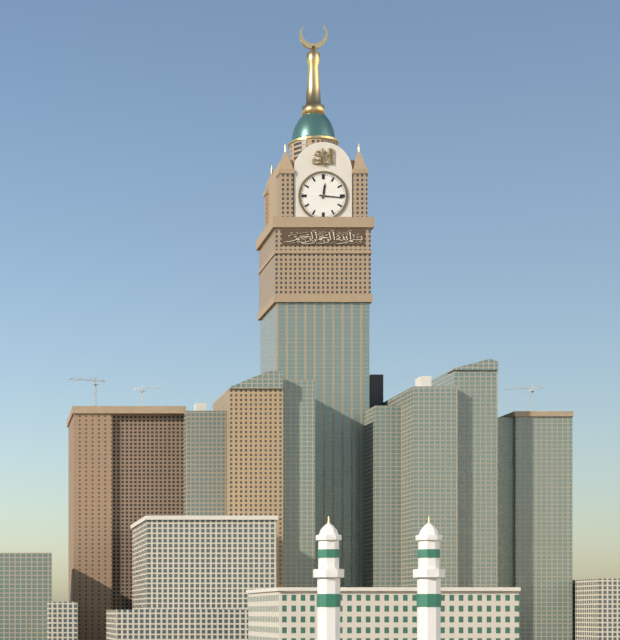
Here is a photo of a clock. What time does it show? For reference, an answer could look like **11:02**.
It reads **12:16**
